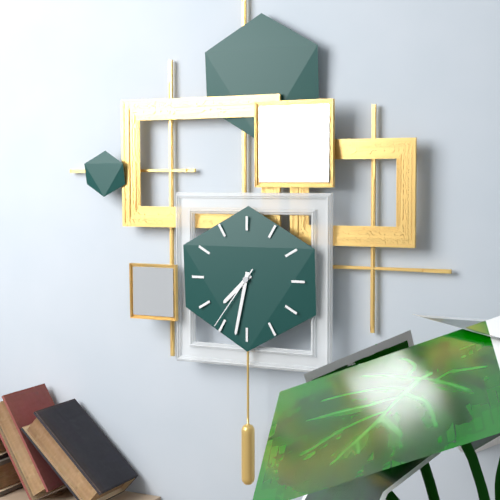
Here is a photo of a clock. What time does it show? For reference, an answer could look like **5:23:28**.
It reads **7:32:36**
